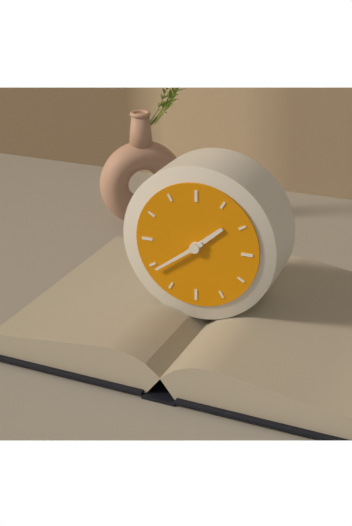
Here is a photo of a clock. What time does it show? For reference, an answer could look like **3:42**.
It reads **1:39**
